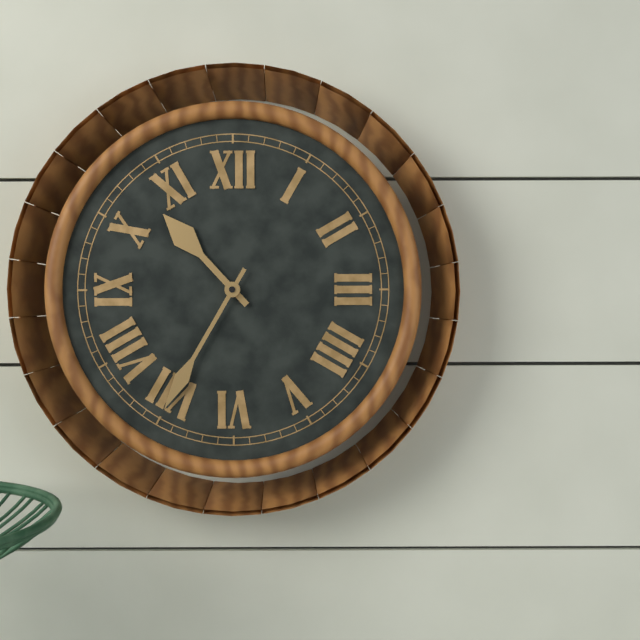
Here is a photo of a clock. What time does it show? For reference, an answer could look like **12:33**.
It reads **10:35**
